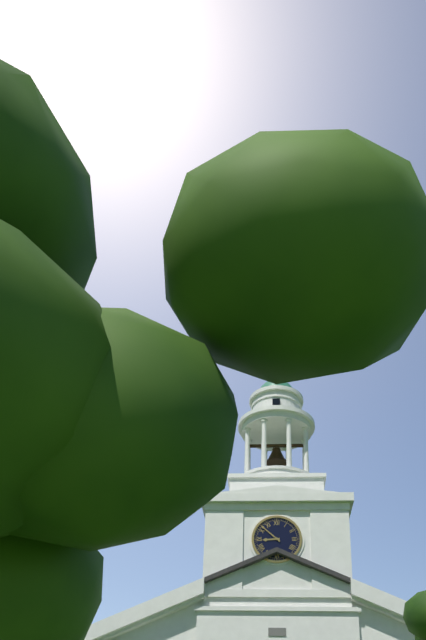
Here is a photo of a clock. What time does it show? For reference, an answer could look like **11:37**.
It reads **8:52**
